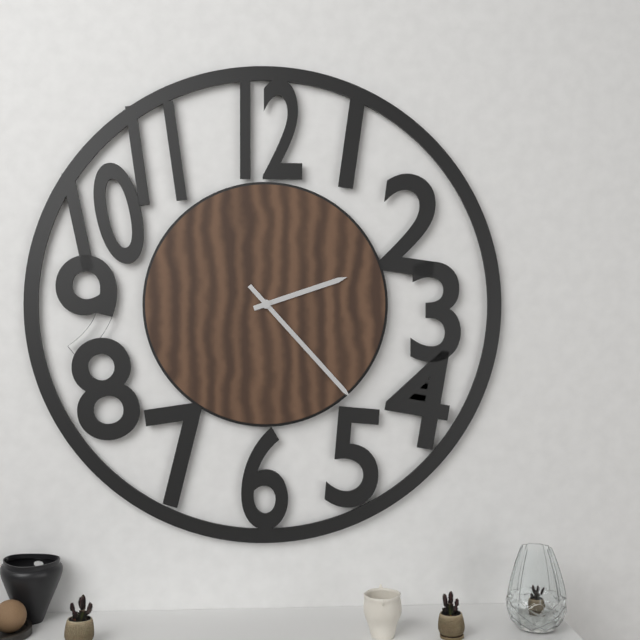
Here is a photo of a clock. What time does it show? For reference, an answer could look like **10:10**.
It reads **2:23**
